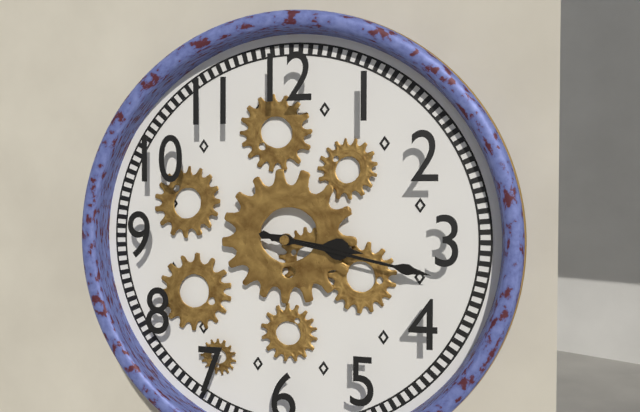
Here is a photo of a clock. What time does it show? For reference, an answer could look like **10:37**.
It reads **3:17**
